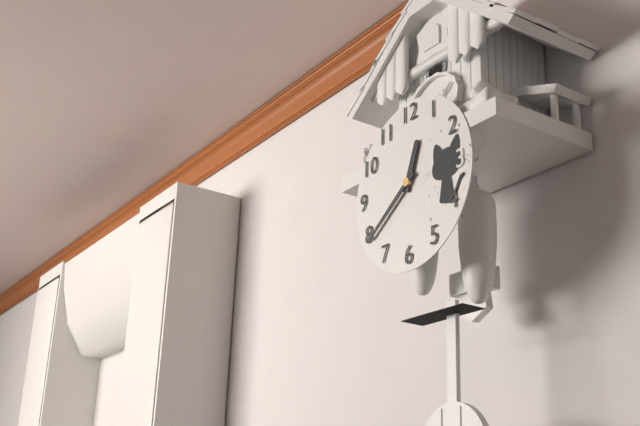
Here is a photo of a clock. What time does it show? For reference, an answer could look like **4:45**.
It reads **12:39**
